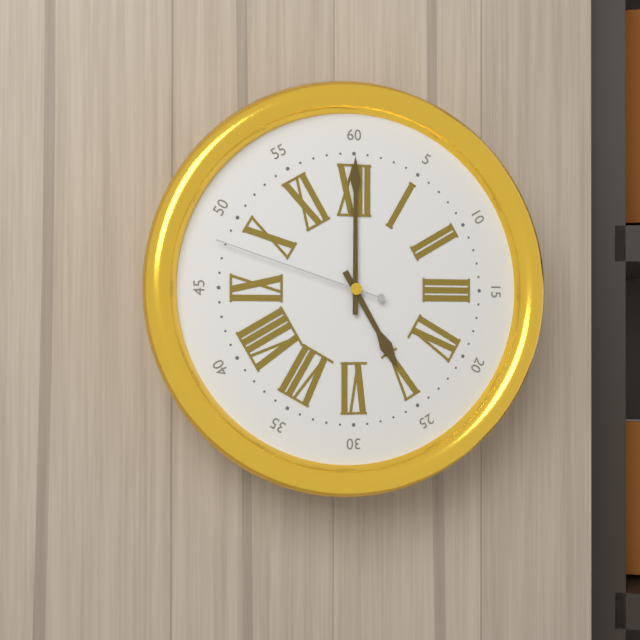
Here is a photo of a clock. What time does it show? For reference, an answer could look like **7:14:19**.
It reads **5:00:48**
